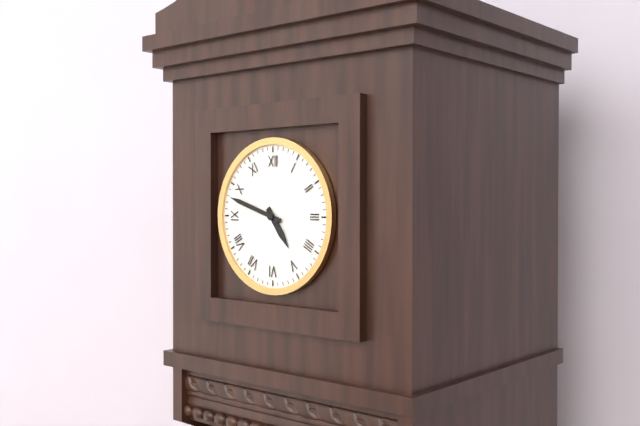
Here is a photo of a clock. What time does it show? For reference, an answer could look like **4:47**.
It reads **4:48**
